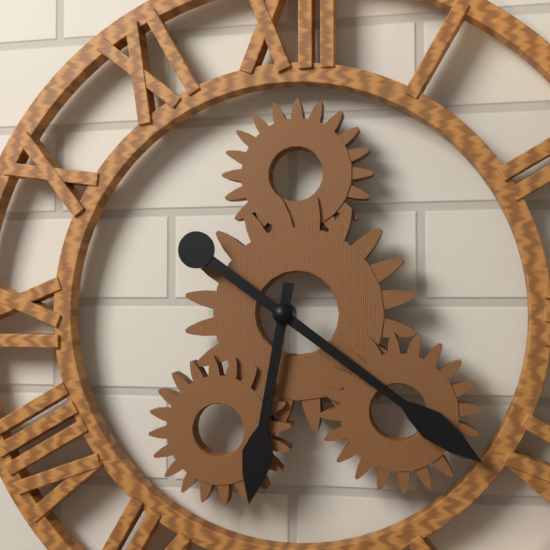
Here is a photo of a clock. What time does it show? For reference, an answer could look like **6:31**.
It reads **6:21**
